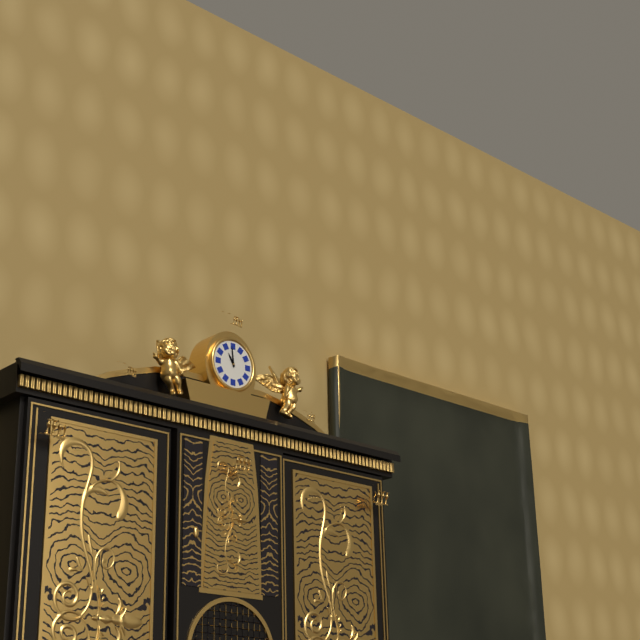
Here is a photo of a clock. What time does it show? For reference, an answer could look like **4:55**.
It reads **10:59**
